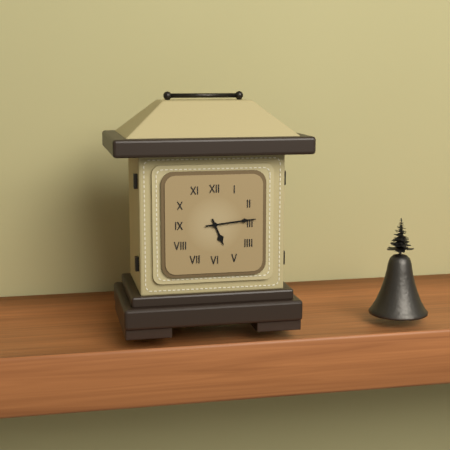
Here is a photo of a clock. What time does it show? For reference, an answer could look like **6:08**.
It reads **5:14**
